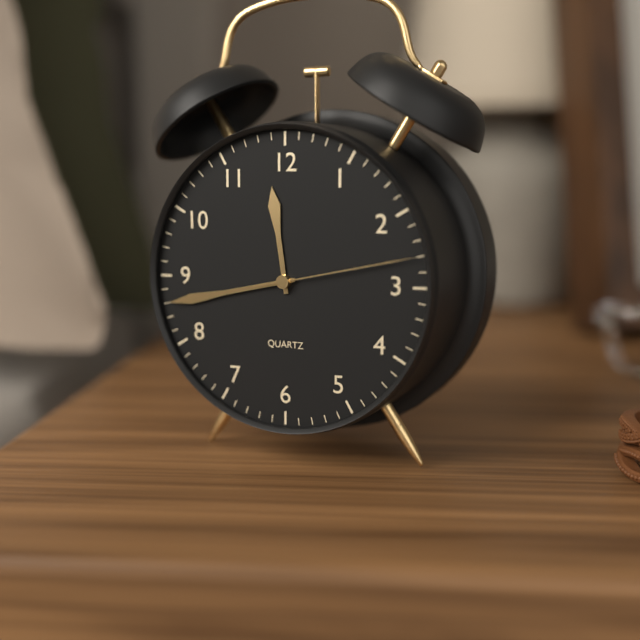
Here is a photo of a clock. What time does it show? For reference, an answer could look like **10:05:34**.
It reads **11:43:13**
